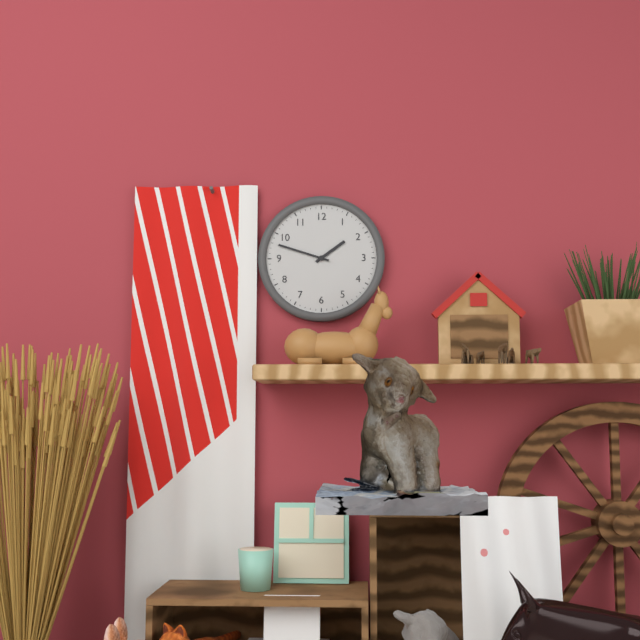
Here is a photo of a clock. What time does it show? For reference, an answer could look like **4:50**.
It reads **1:48**
